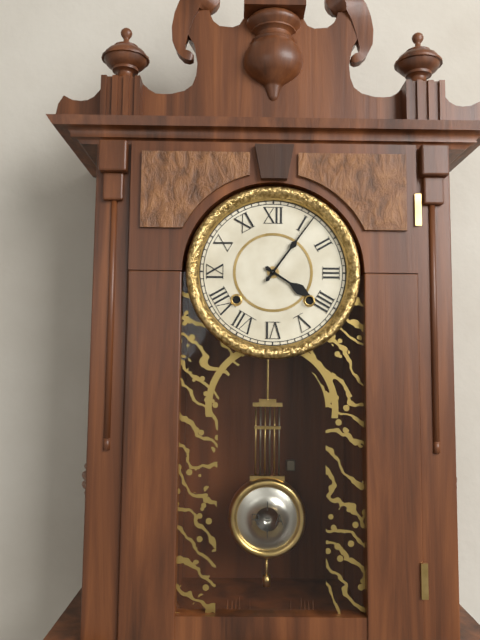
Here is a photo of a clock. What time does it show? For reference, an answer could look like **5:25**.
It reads **4:06**
